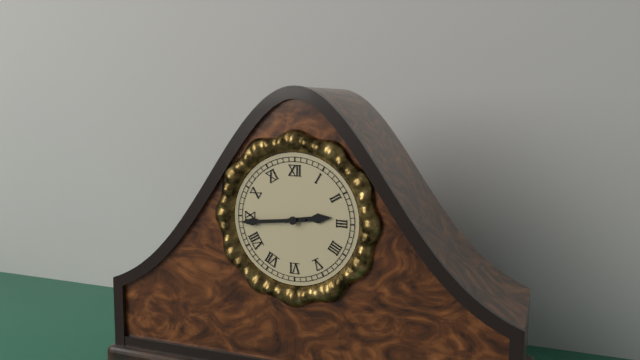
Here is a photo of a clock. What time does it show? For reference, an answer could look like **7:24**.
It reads **2:44**
